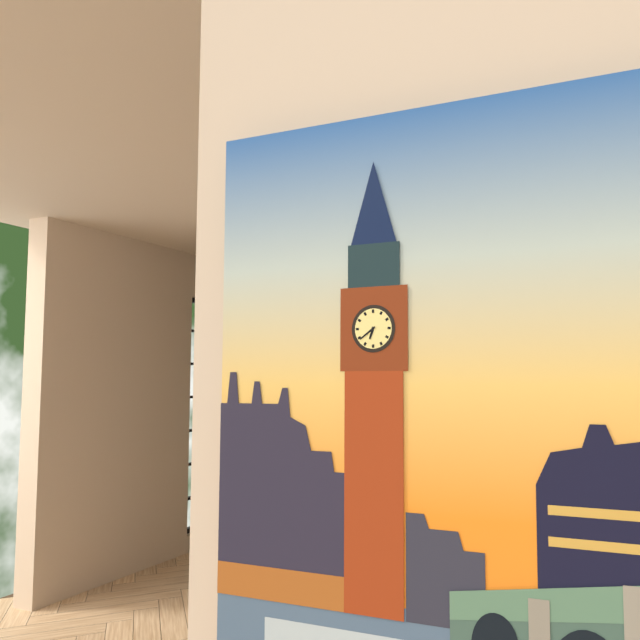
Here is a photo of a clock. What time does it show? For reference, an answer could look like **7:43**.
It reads **6:39**
